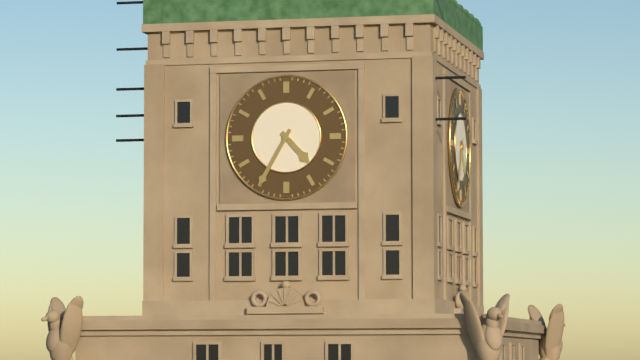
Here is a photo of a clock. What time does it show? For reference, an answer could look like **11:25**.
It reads **4:35**
